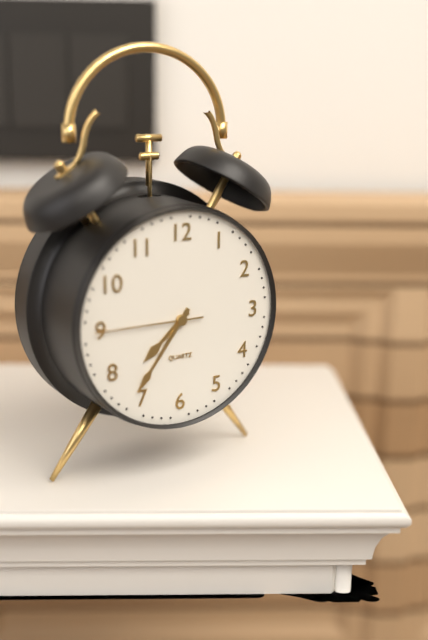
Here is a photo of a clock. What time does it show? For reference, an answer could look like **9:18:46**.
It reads **7:36:45**
